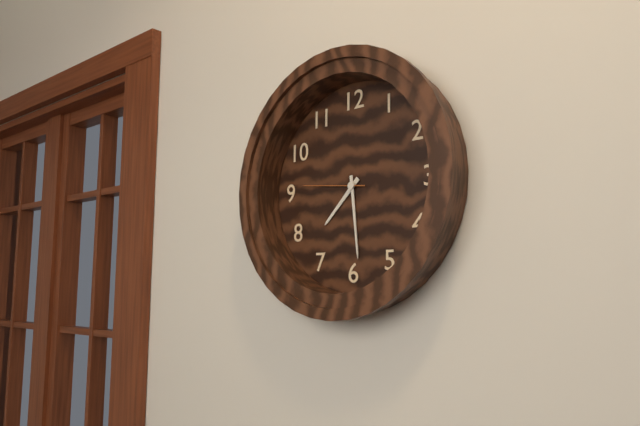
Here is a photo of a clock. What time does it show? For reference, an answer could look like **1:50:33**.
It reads **7:29:46**
